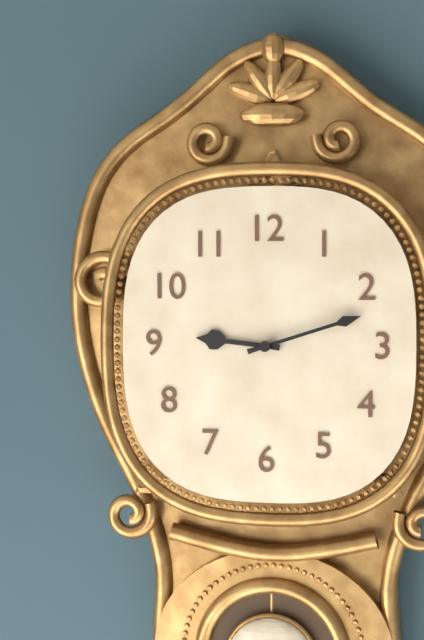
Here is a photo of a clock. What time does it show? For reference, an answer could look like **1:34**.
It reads **9:12**
